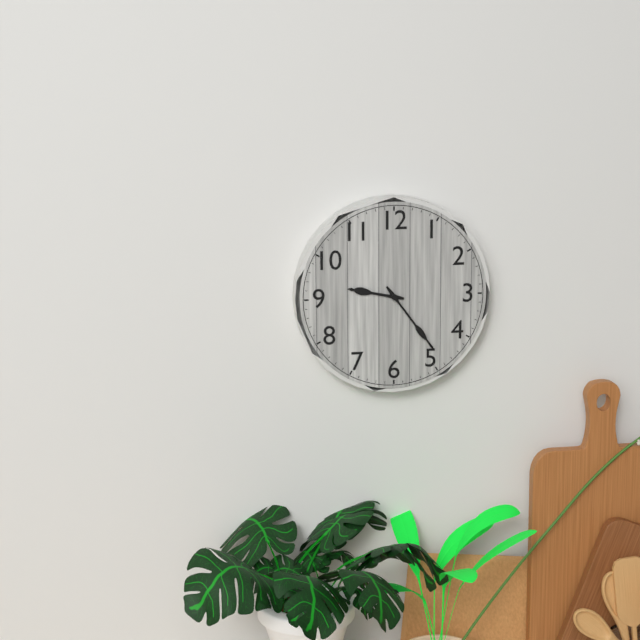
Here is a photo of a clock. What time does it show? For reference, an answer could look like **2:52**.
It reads **9:24**
